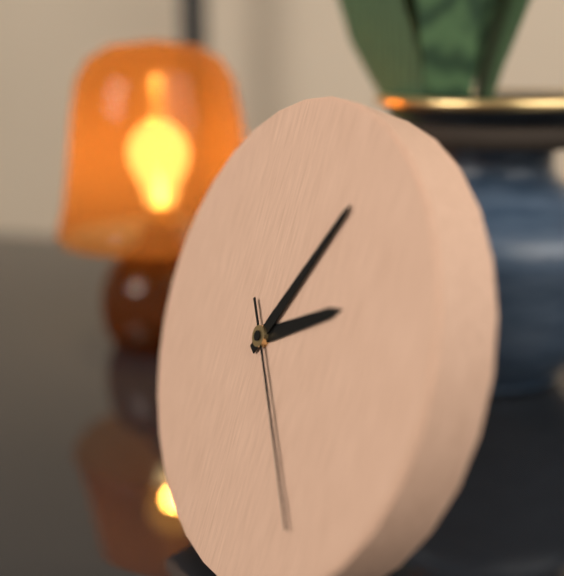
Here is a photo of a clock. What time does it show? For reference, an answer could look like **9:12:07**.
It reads **2:05:23**
